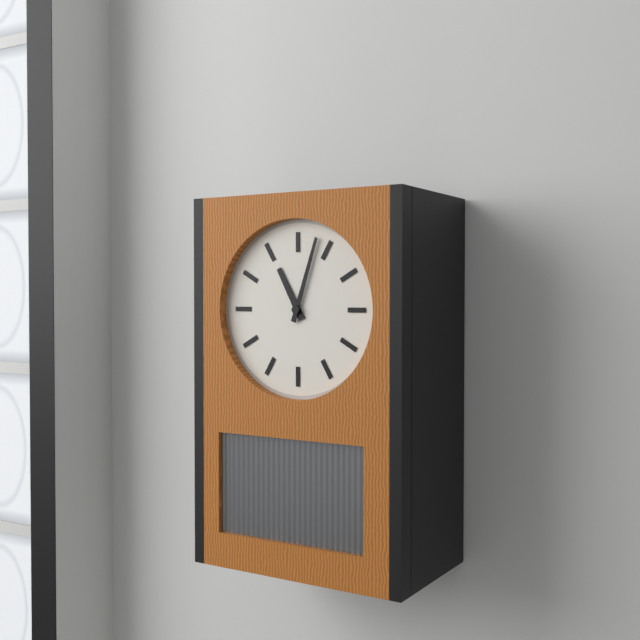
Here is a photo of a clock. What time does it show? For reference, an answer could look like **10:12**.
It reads **11:03**
